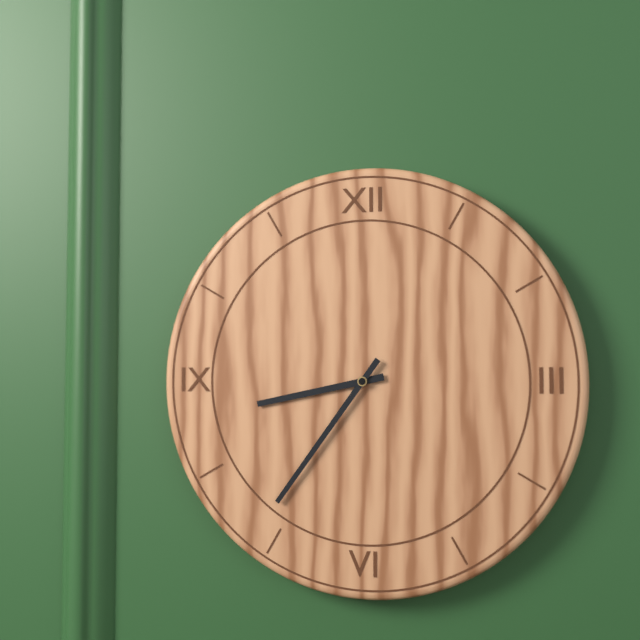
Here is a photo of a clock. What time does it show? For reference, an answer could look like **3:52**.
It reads **8:36**
